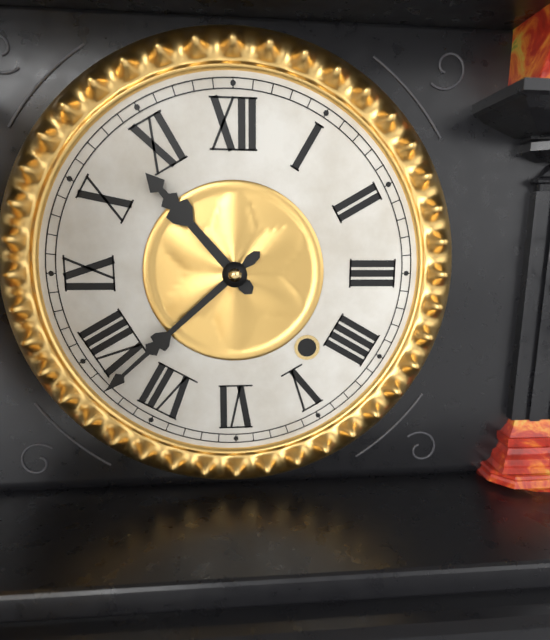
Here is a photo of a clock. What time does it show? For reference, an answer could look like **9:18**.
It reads **10:38**
